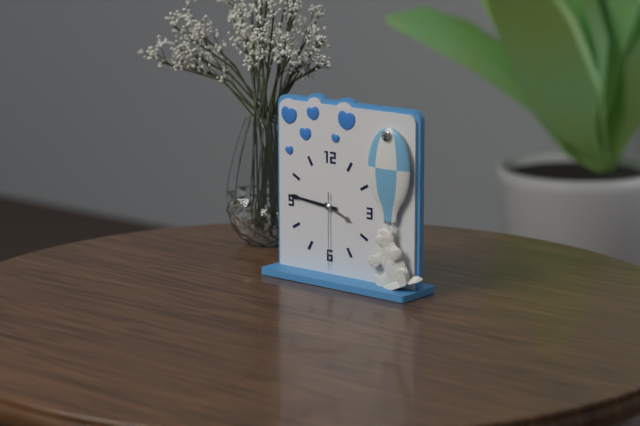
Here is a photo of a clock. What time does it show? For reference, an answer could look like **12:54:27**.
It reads **3:46:30**
